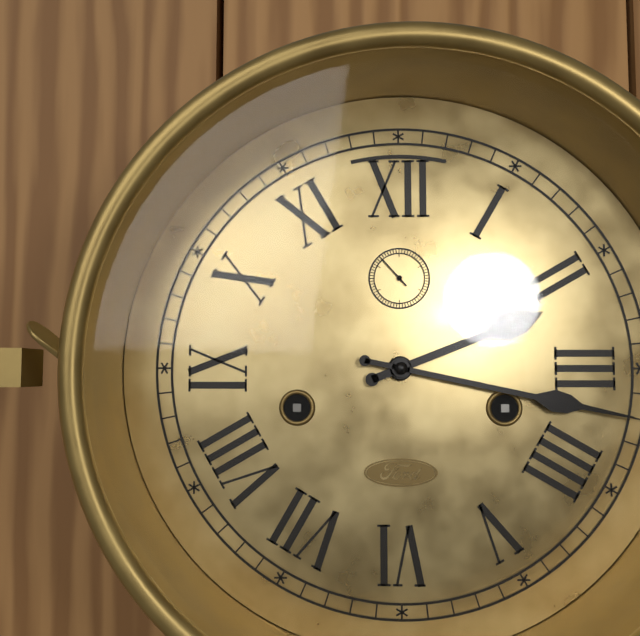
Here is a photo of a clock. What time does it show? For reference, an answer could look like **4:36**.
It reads **2:17**
